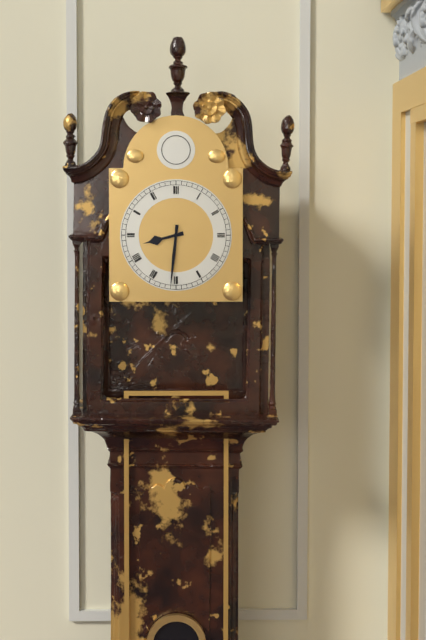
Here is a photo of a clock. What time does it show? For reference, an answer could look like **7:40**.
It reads **8:31**
